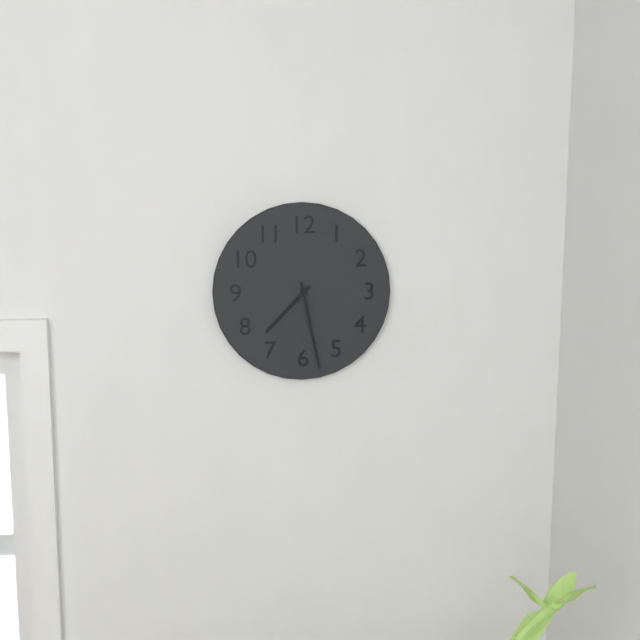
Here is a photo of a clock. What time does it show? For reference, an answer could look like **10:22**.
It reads **7:28**
